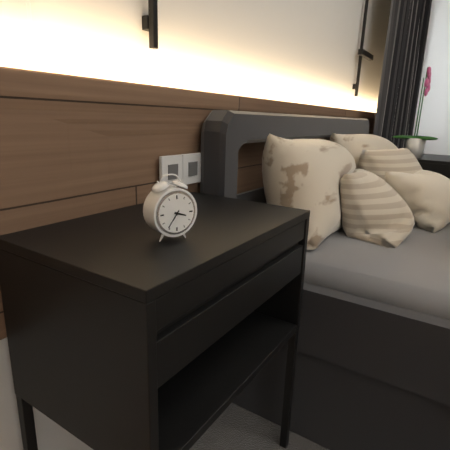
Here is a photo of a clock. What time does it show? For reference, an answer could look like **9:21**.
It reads **3:36**
